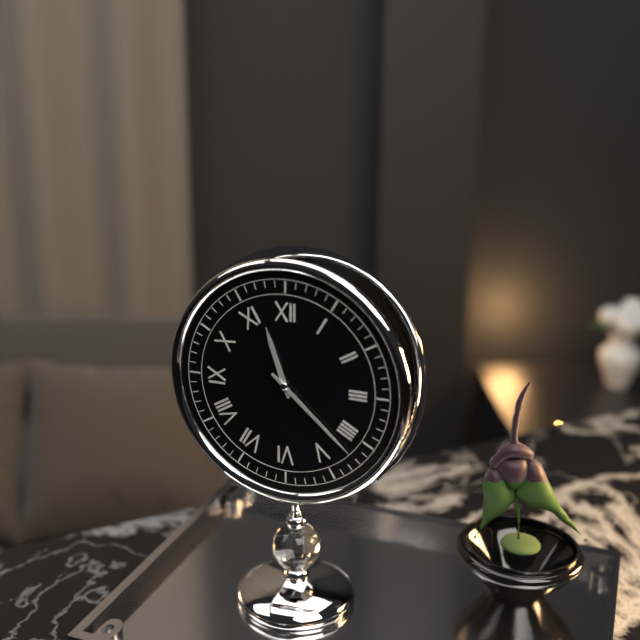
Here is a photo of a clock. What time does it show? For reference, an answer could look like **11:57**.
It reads **11:22**
